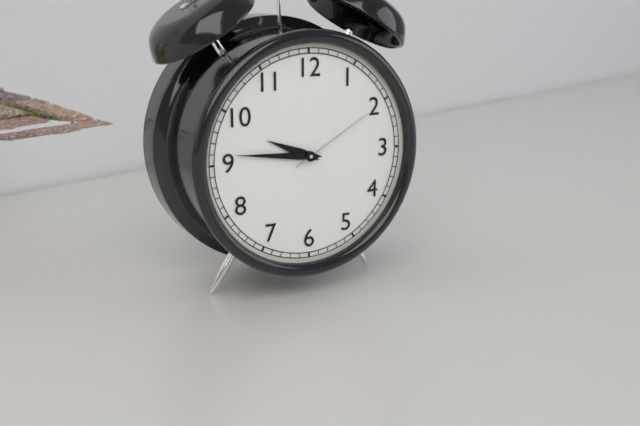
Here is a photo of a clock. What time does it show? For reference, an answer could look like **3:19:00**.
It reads **9:46:10**
